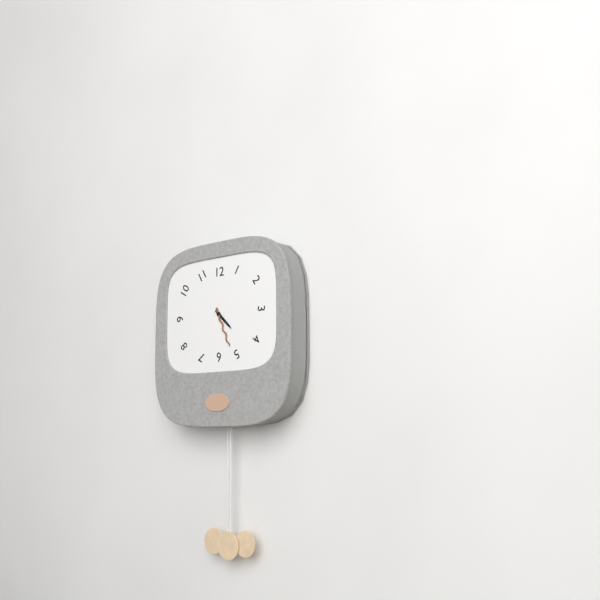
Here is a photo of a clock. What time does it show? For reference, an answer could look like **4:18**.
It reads **4:26**
